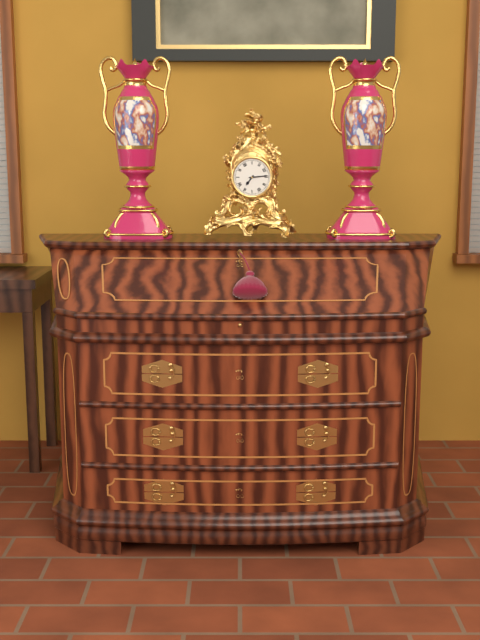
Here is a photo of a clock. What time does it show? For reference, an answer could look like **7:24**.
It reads **7:14**
